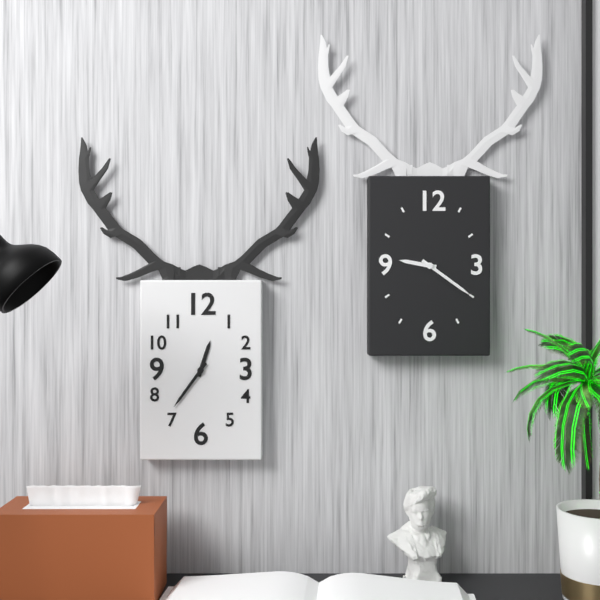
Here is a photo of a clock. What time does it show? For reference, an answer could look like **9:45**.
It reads **12:36**
